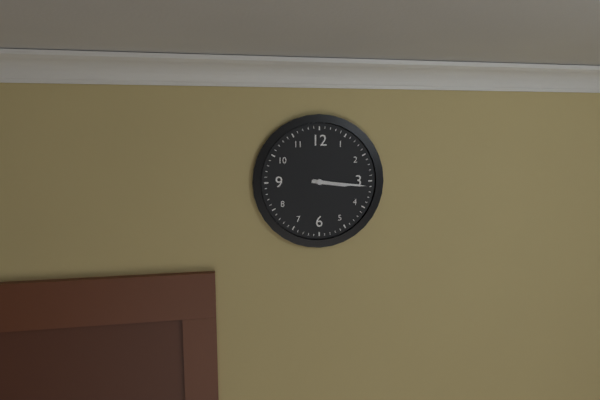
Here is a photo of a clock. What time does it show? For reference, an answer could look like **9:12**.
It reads **3:16**
